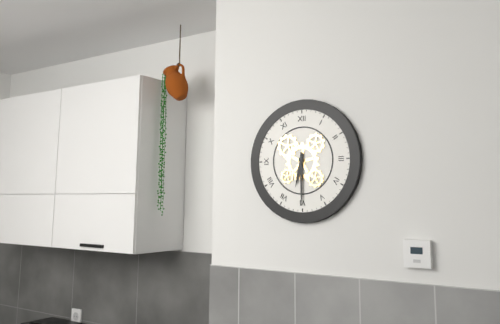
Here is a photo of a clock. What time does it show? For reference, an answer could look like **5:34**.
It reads **6:30**
